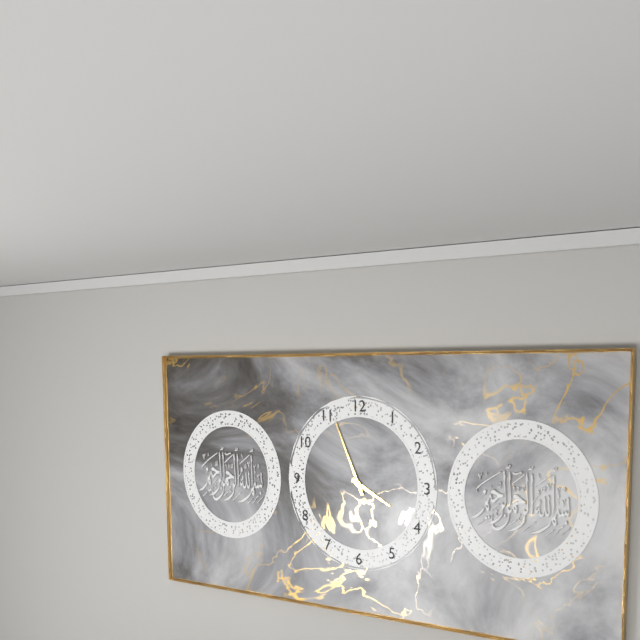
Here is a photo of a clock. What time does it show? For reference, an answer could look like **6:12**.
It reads **3:56**
